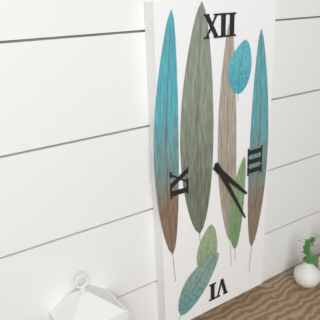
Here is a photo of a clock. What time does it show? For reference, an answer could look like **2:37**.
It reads **4:25**
